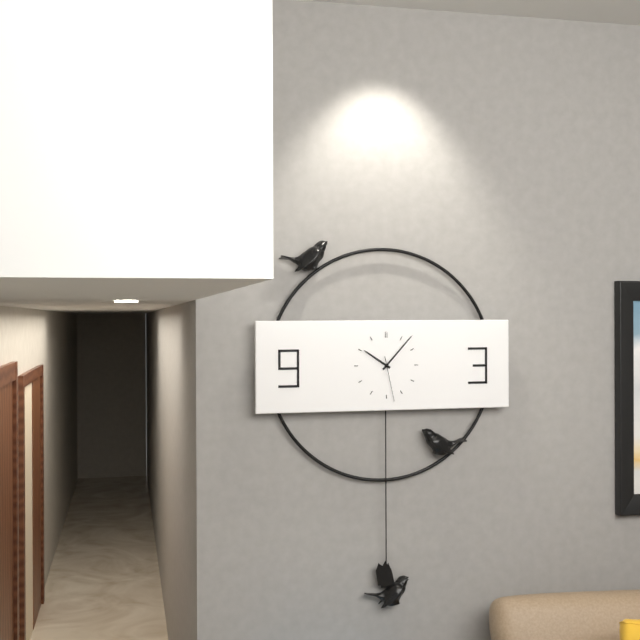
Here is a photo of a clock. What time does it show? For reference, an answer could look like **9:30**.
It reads **10:07**
